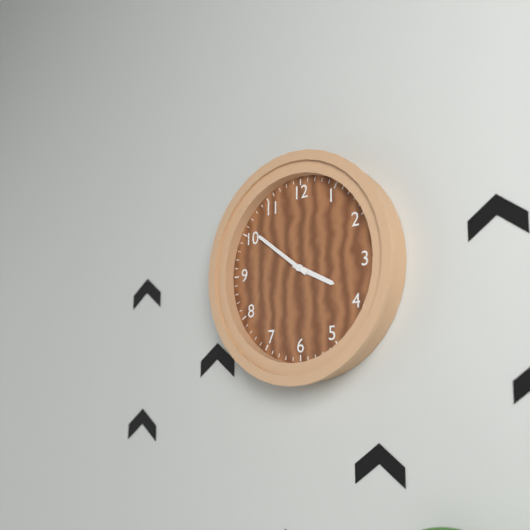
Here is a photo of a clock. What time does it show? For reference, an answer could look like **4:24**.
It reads **3:51**
